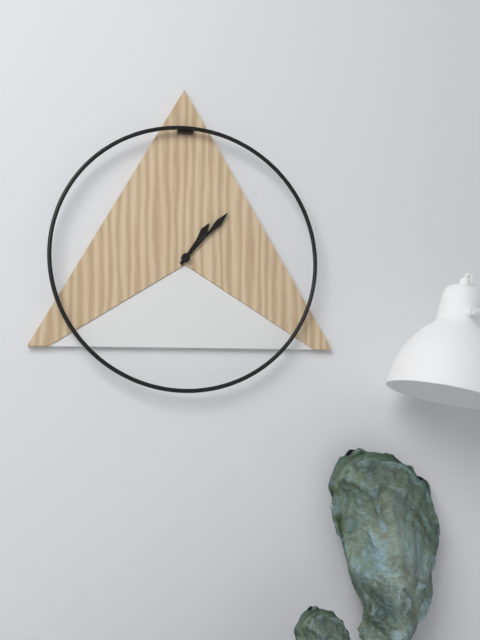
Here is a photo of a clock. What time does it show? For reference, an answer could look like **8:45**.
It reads **1:07**
